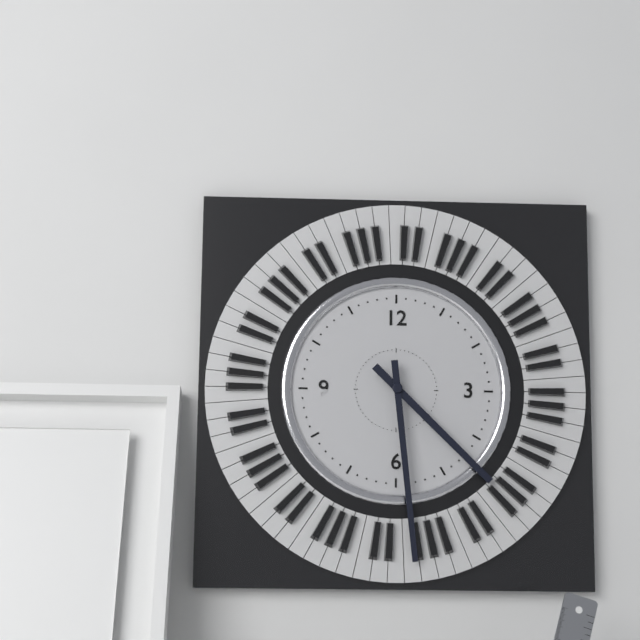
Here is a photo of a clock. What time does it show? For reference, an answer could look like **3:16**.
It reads **4:29**
